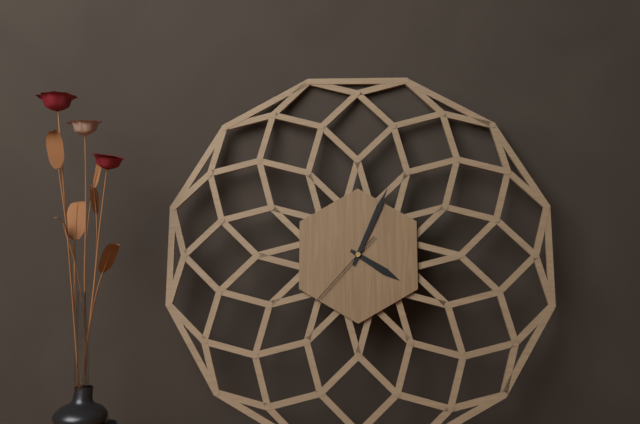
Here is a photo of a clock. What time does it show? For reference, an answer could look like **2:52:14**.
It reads **4:04:37**
